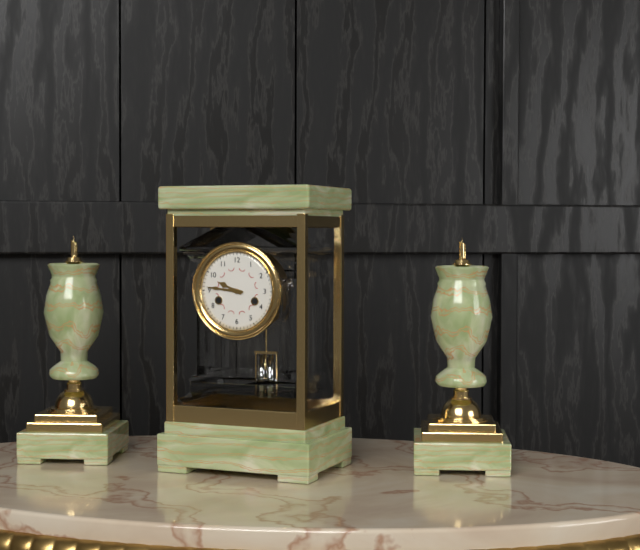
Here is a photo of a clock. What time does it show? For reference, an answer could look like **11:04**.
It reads **9:46**
